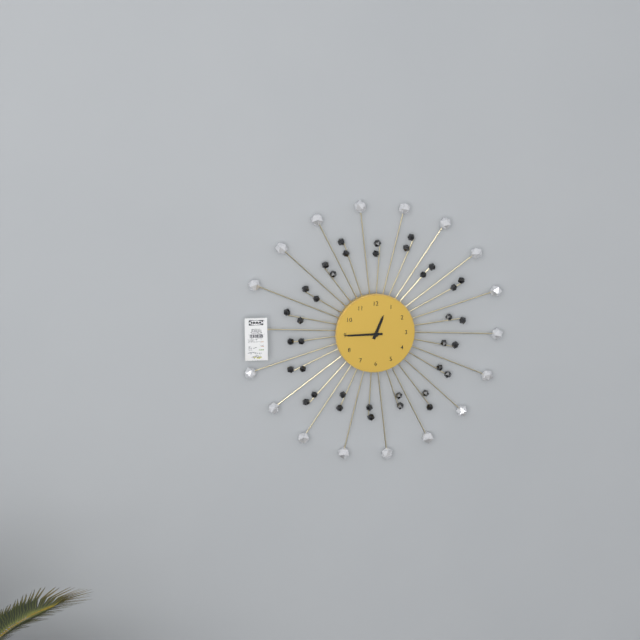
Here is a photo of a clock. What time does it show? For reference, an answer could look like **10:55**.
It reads **12:45**
